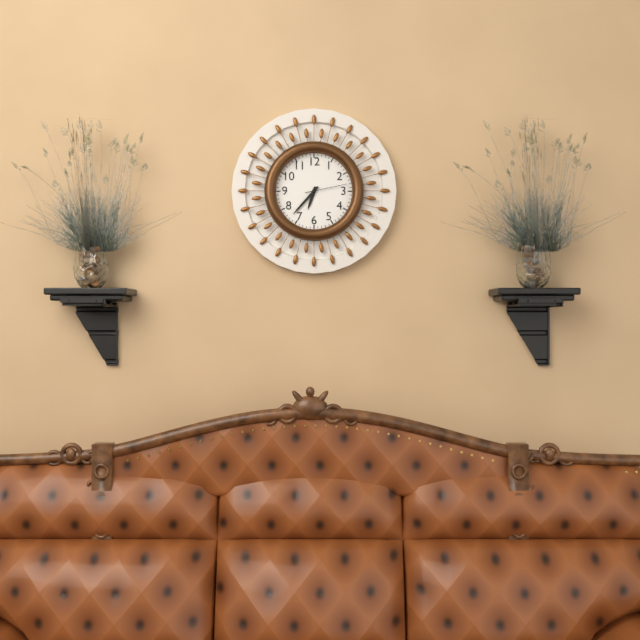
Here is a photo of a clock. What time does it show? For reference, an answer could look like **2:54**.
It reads **6:37**
